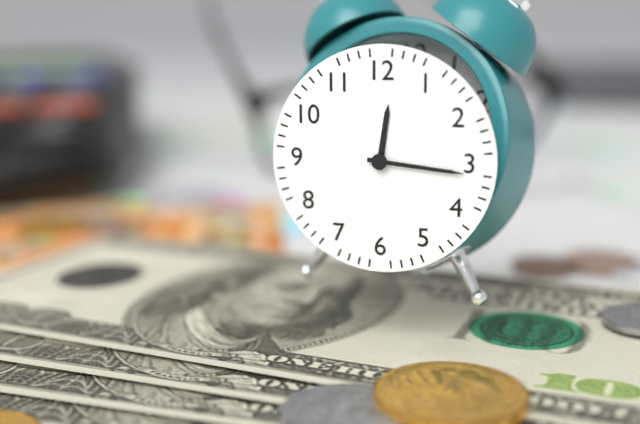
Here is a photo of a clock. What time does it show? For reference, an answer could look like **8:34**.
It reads **12:16**
